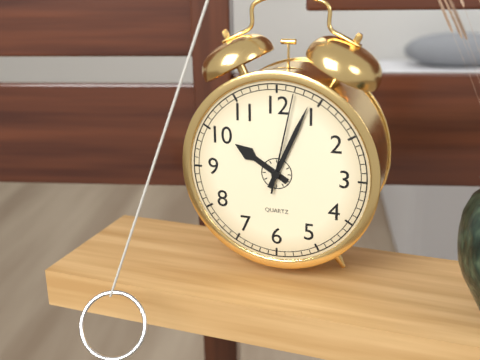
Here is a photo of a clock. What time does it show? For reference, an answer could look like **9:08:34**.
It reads **10:04:02**
